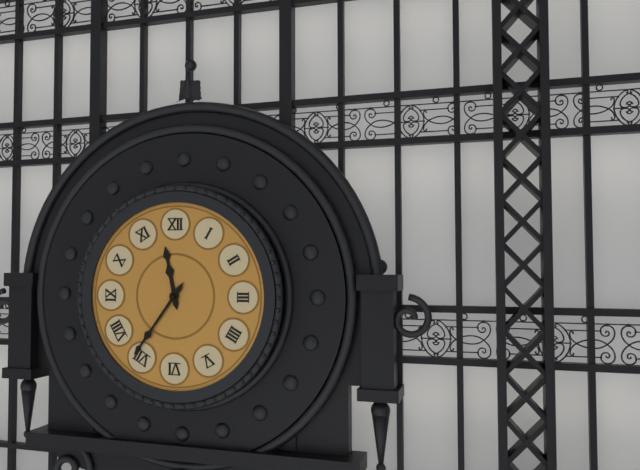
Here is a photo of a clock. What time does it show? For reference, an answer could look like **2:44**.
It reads **11:36**
